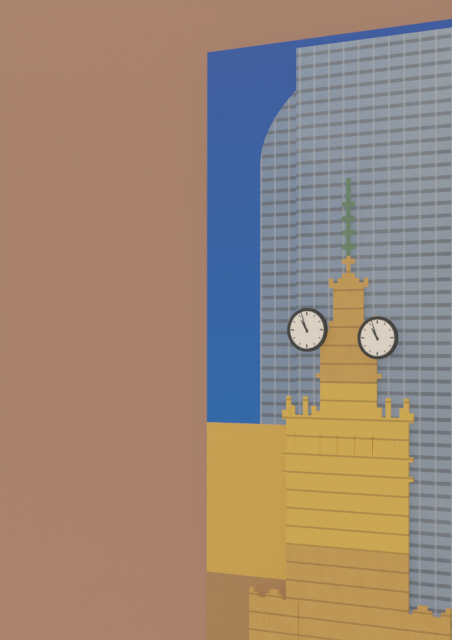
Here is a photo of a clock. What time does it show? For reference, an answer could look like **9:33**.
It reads **10:57**
